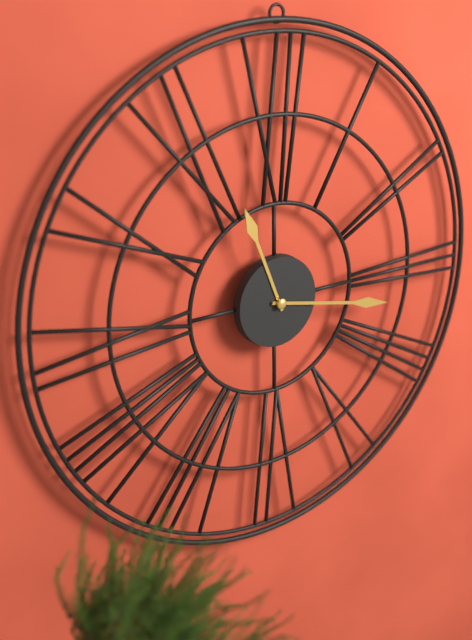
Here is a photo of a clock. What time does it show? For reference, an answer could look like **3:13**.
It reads **11:17**
